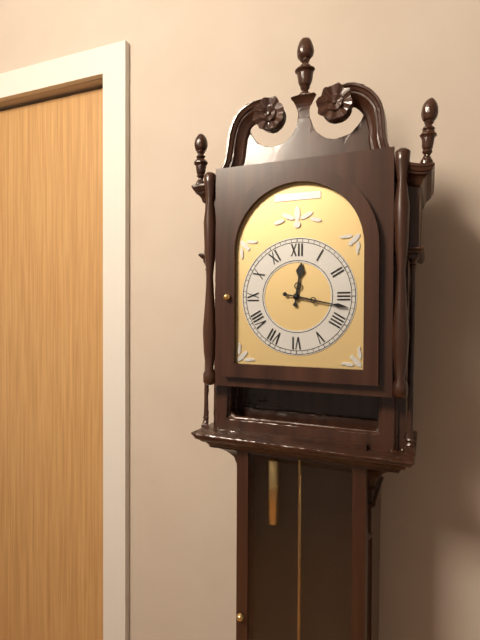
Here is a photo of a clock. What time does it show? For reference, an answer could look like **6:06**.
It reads **12:17**
